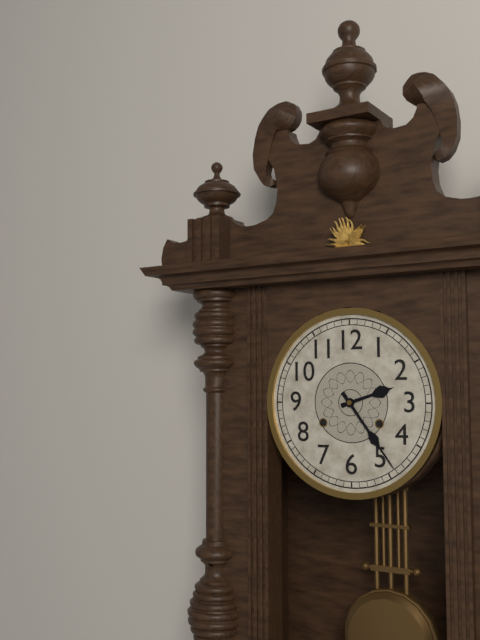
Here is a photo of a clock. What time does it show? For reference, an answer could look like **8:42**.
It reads **2:24**
